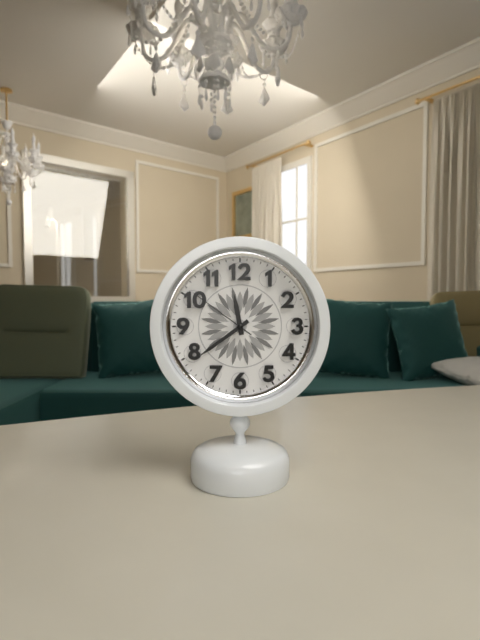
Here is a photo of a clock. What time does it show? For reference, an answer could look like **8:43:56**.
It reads **11:39:51**
